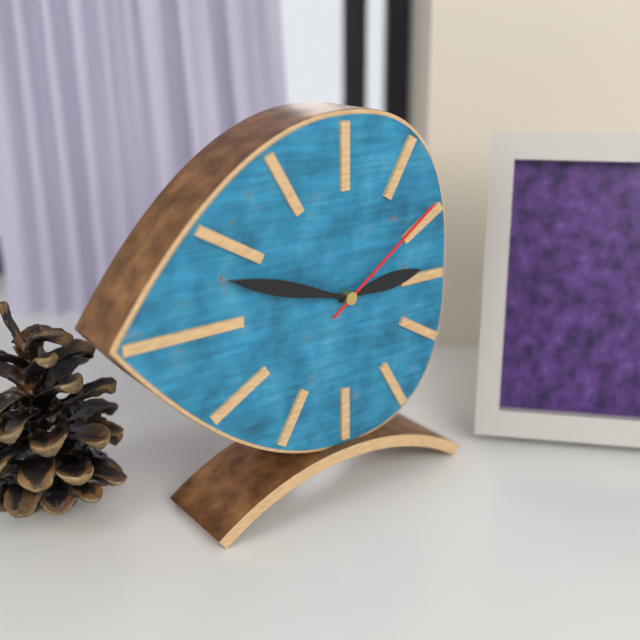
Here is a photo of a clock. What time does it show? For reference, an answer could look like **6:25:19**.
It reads **2:48:09**
